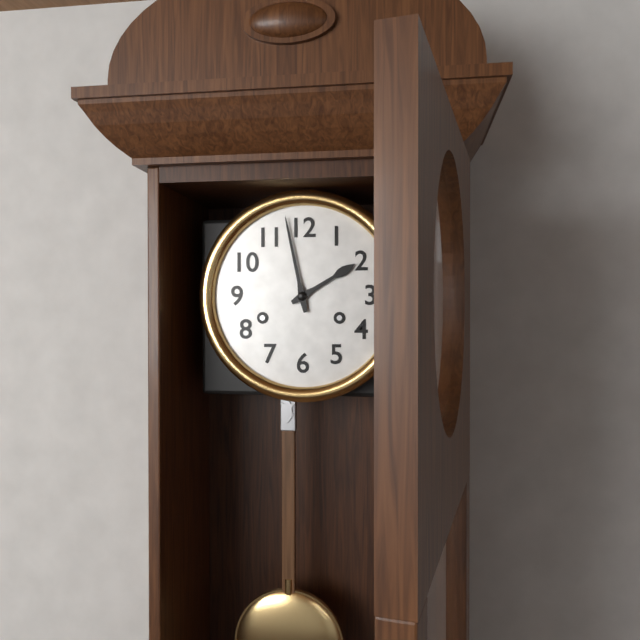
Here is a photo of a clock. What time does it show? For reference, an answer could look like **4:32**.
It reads **1:58**
